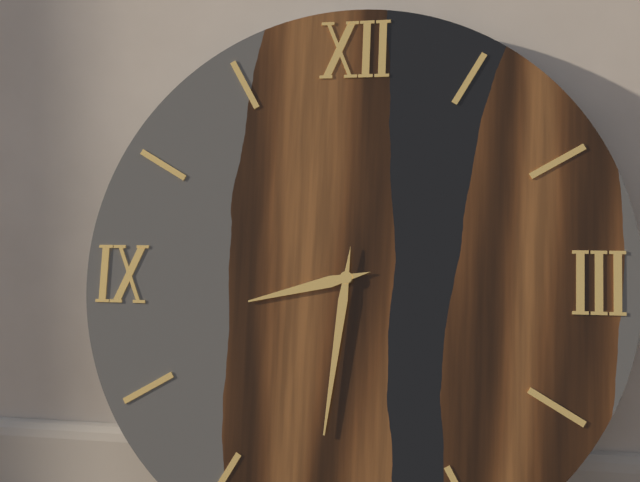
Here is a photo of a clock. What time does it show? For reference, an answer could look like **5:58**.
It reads **8:31**
